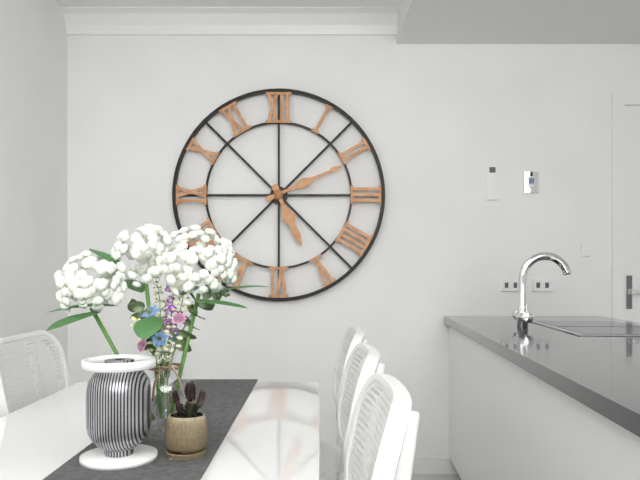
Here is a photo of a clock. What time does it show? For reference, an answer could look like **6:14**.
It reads **5:11**
